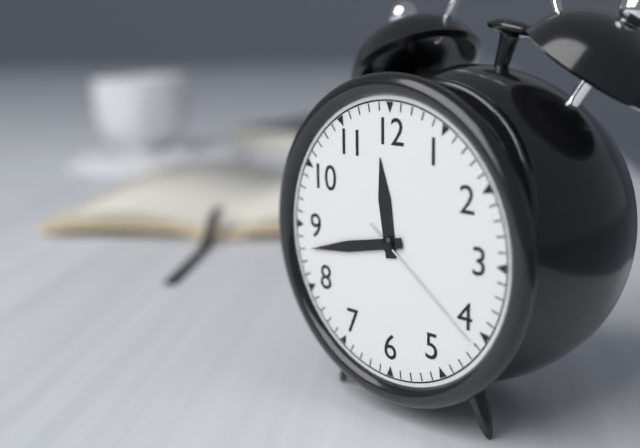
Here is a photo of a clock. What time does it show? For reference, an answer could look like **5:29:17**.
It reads **11:43:21**
